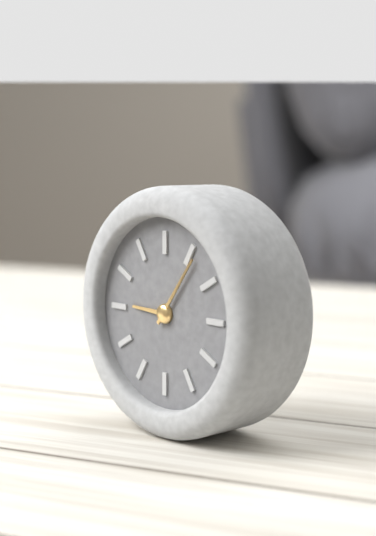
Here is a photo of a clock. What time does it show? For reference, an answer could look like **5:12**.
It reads **9:06**
